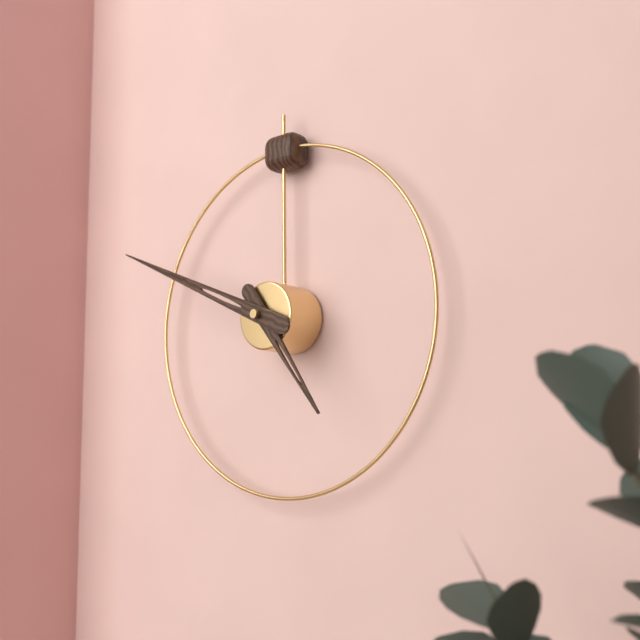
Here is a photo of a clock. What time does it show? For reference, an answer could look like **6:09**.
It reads **4:49**
